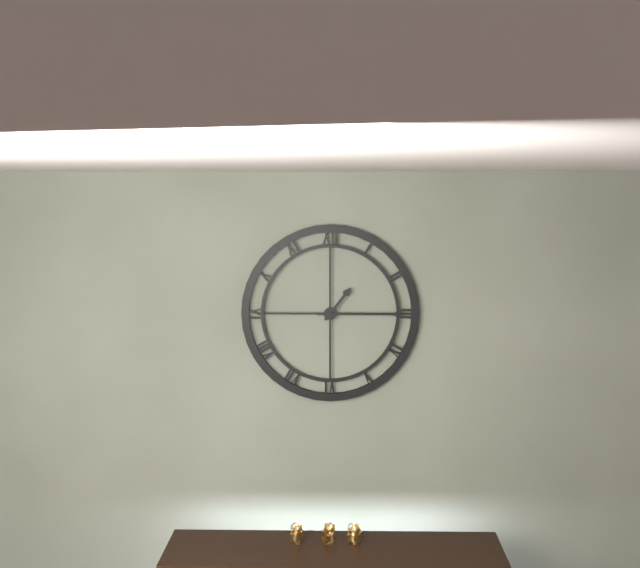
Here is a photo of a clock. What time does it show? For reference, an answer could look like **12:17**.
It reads **1:15**
